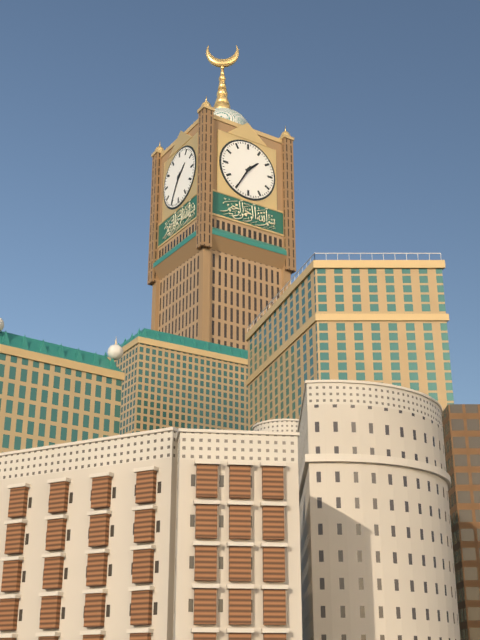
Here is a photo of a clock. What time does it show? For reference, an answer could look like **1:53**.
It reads **1:35**
